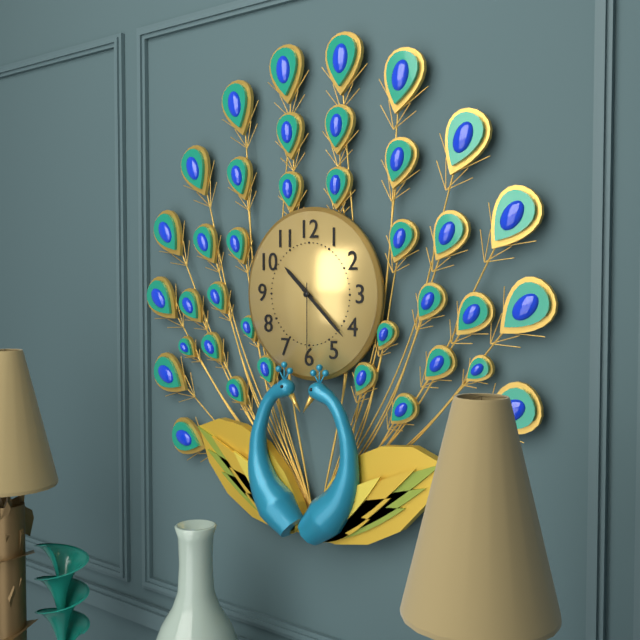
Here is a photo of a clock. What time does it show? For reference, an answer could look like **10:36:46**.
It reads **10:22:30**
